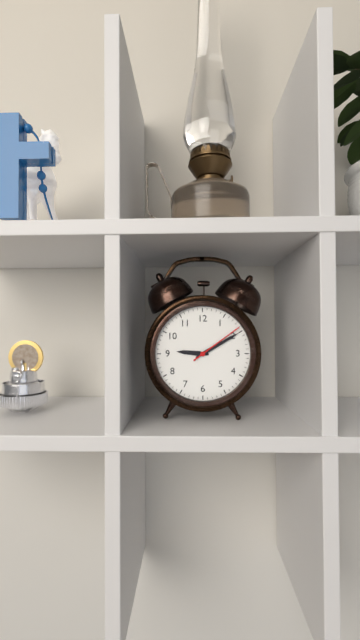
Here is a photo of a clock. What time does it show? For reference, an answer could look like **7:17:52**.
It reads **9:10:09**
